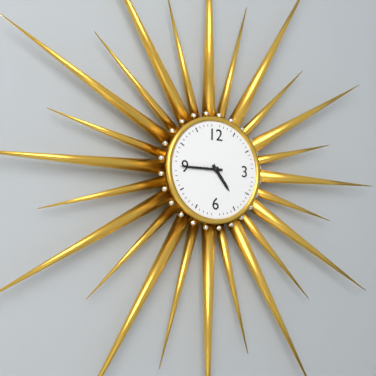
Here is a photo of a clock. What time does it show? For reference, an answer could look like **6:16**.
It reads **4:45**
